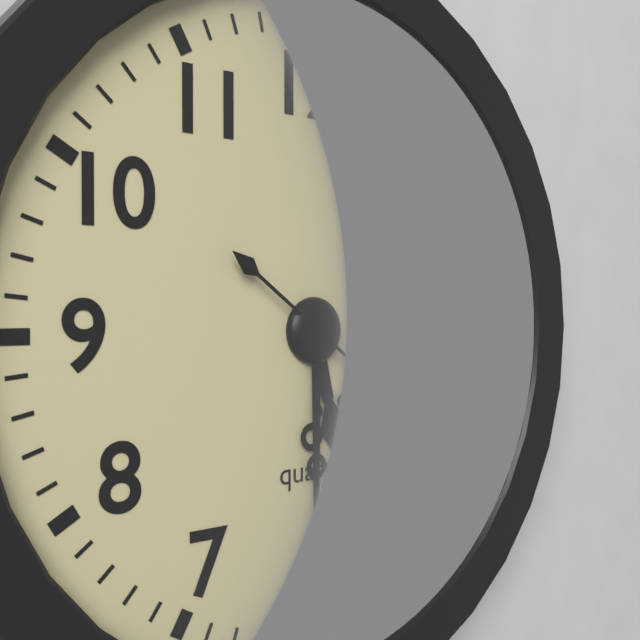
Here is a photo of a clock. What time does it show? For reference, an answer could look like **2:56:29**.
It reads **5:30:21**
